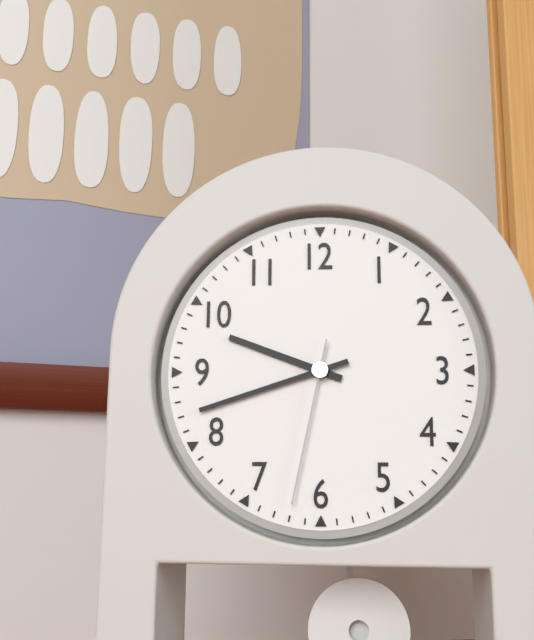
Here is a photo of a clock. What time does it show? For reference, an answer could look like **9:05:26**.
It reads **9:42:32**
